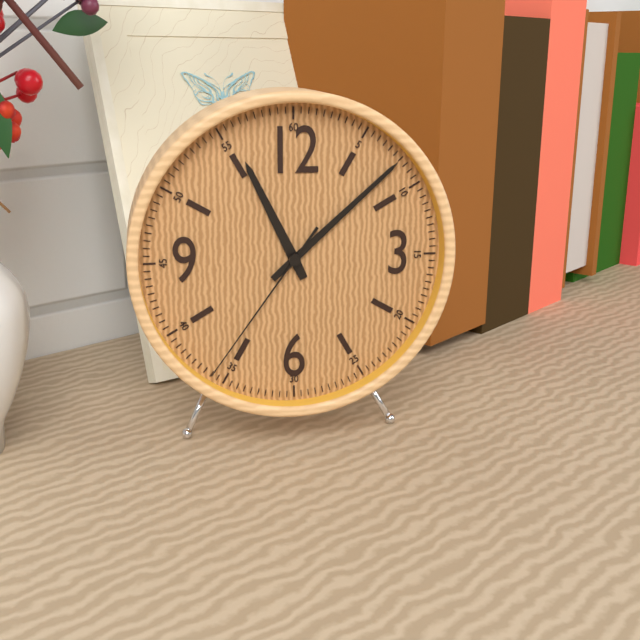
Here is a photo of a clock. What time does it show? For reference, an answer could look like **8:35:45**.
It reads **11:08:36**
